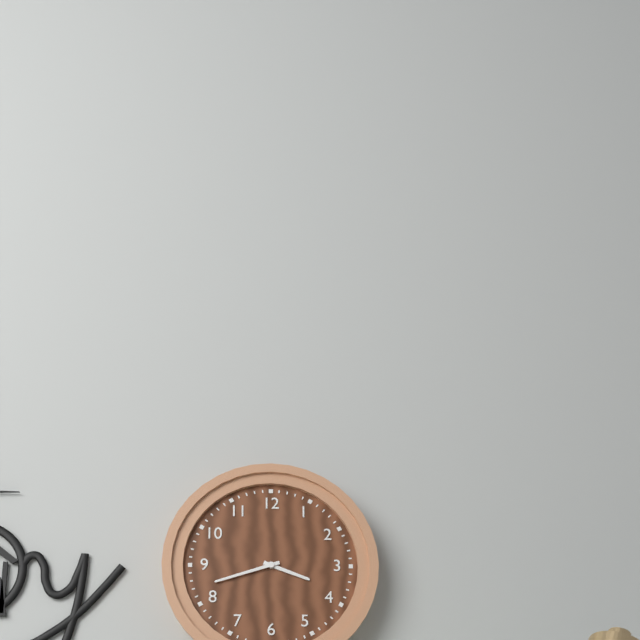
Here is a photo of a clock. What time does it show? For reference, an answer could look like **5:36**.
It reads **3:42**
